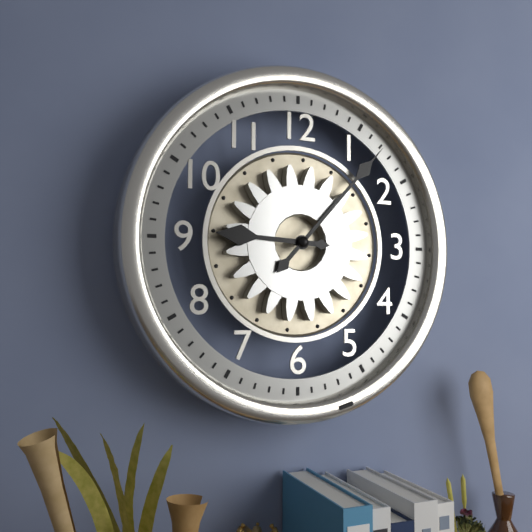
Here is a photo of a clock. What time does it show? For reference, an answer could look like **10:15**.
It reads **9:07**
